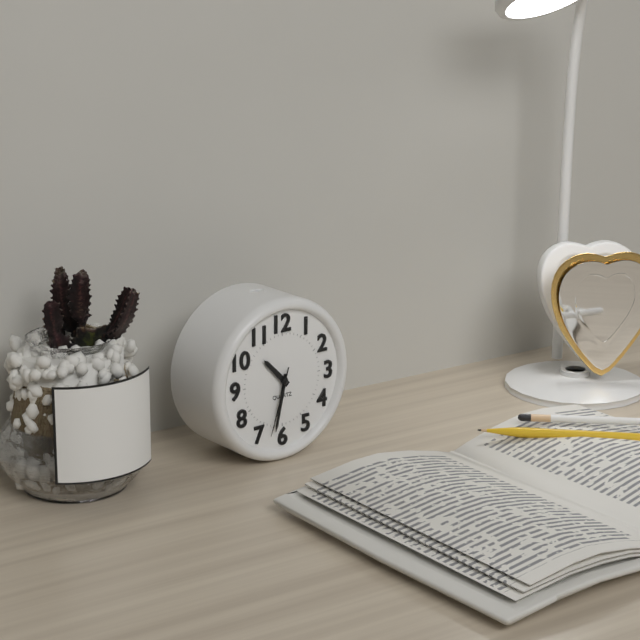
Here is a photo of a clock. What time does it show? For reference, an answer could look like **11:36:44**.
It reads **10:32:33**
